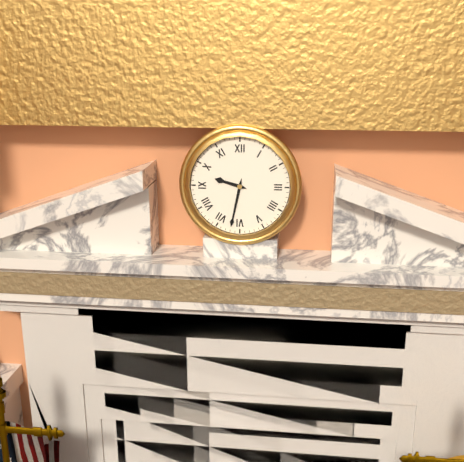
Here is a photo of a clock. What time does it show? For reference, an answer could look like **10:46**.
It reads **9:32**
